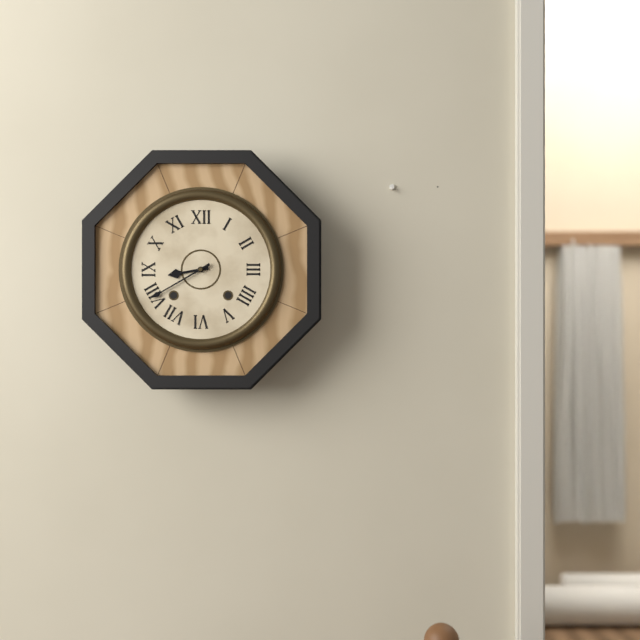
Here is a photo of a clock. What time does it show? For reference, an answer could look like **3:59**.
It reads **8:40**
